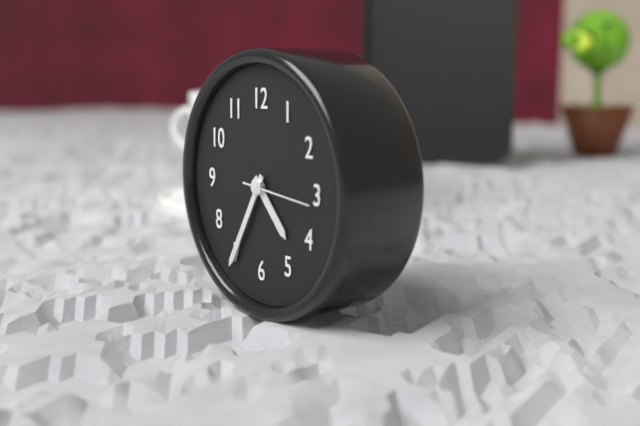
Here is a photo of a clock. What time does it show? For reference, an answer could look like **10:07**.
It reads **4:35**
